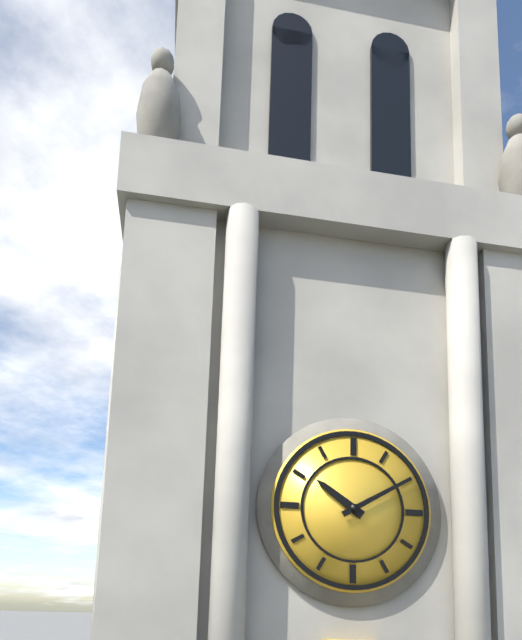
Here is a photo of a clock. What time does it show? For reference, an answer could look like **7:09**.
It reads **10:10**
